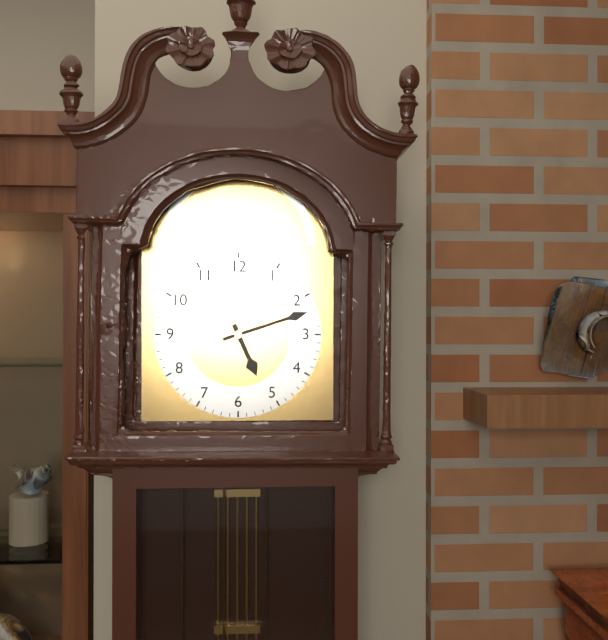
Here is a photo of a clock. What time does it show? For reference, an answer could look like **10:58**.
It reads **5:12**
